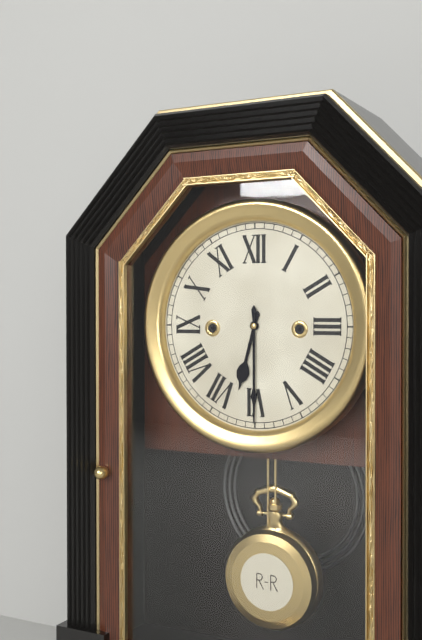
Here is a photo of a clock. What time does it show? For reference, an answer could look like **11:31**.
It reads **6:30**
